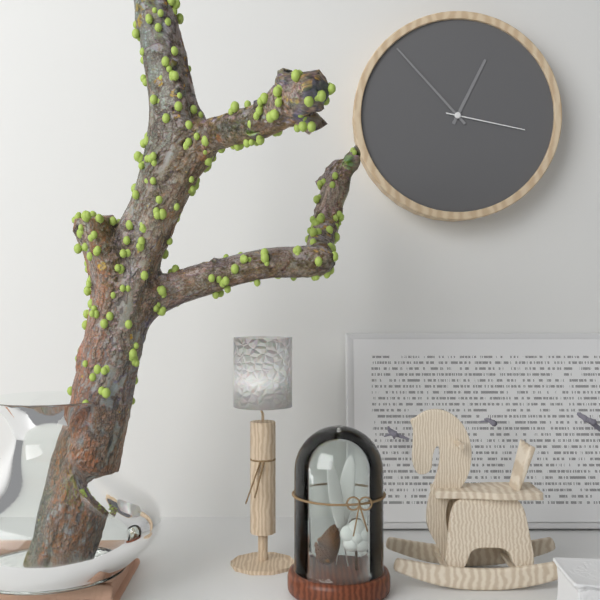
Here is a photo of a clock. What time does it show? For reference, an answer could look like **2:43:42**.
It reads **12:53:17**
